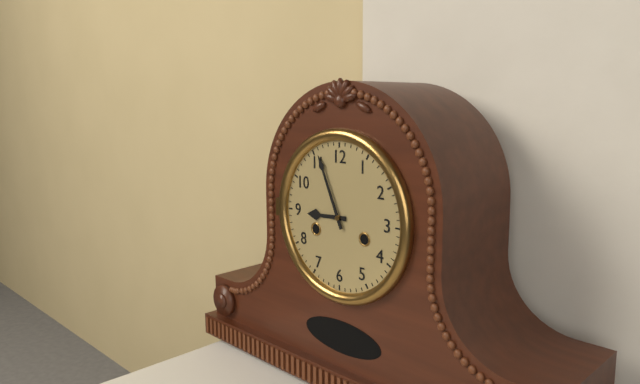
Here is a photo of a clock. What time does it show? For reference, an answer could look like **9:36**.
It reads **8:56**
